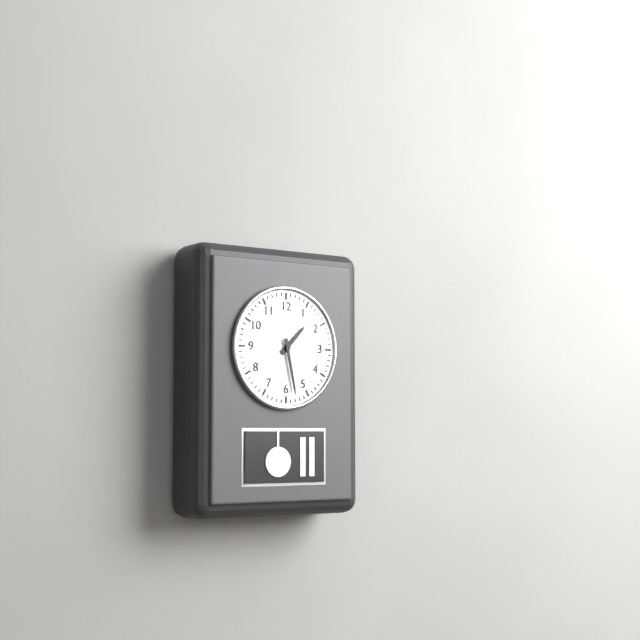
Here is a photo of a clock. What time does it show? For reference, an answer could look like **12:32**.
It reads **1:28**
